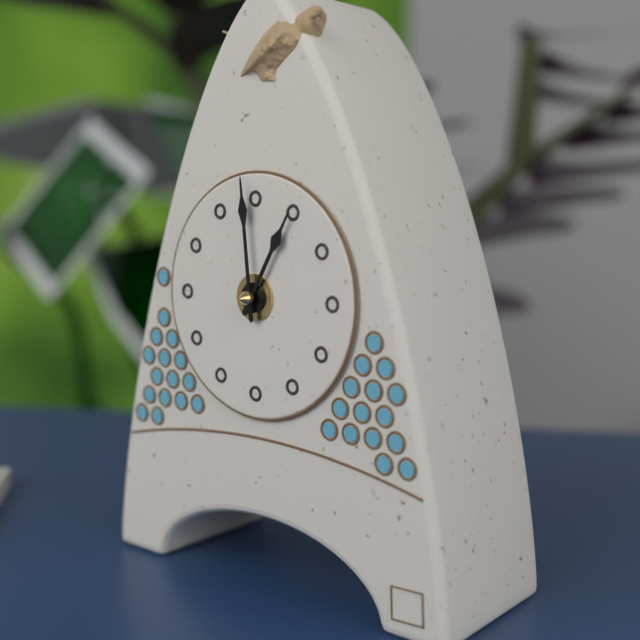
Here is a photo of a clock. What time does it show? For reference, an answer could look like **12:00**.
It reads **12:59**
